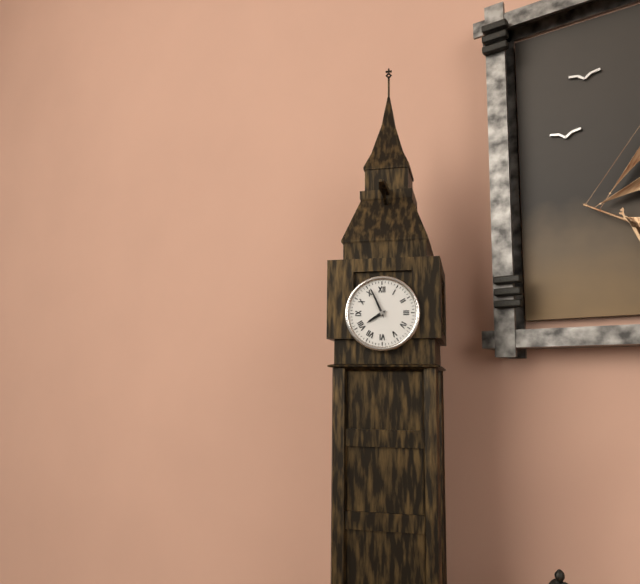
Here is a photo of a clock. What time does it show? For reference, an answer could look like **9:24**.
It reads **7:56**
